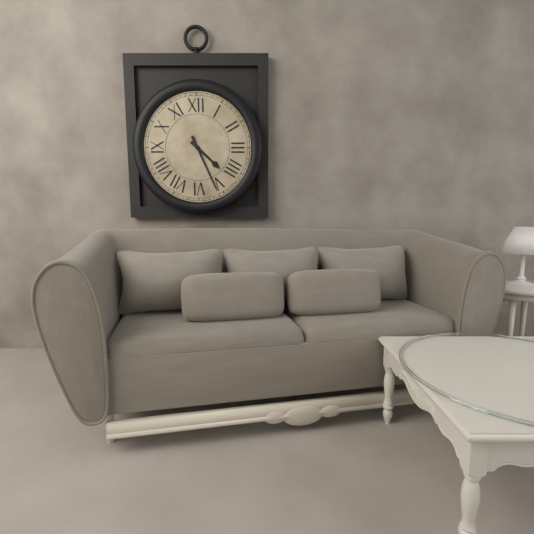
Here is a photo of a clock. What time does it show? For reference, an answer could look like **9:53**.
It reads **4:26**
